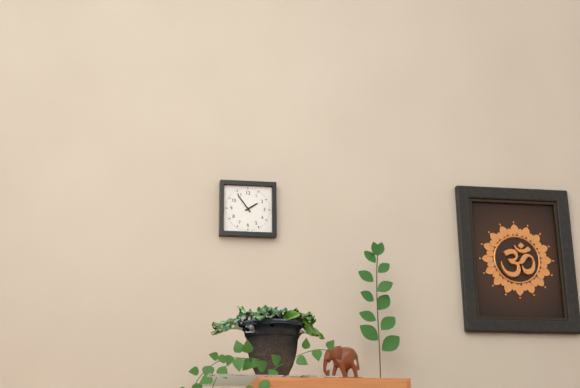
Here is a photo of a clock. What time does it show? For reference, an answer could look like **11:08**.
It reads **1:54**
